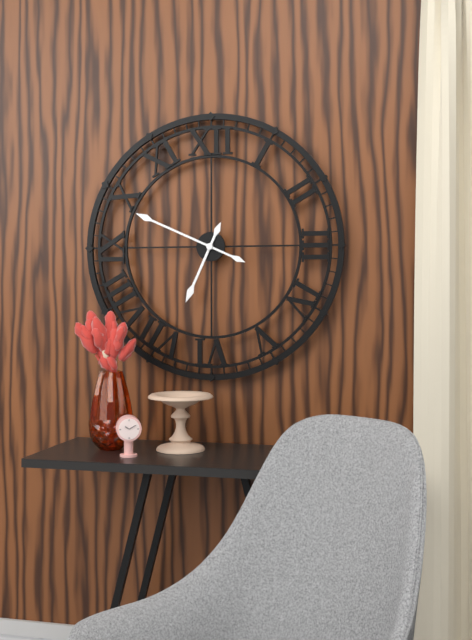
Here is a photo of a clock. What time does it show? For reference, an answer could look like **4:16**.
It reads **6:49**
